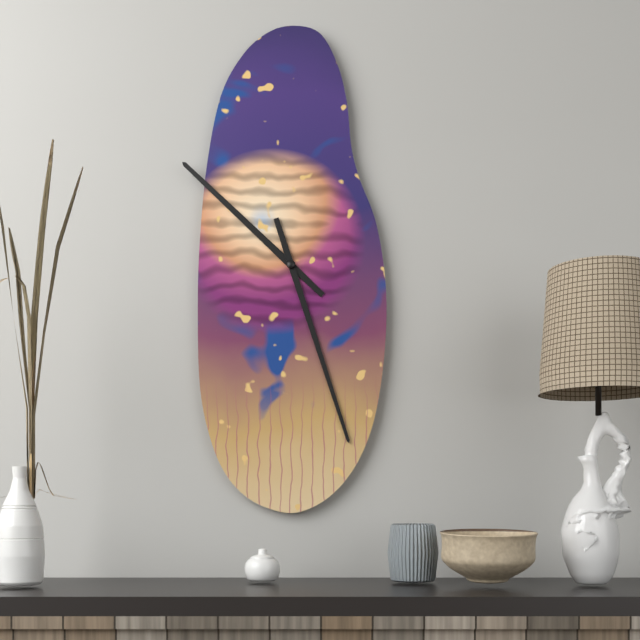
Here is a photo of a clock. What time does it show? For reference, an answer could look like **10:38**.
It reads **10:27**
